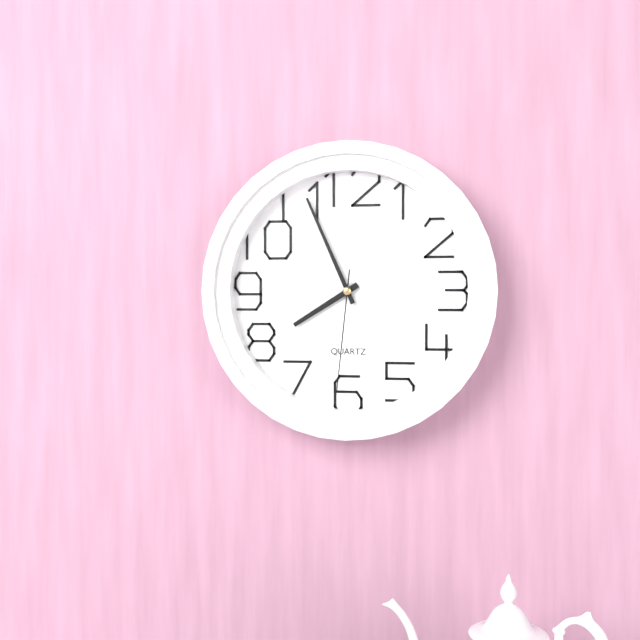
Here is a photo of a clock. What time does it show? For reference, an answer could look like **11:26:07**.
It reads **7:56:31**
